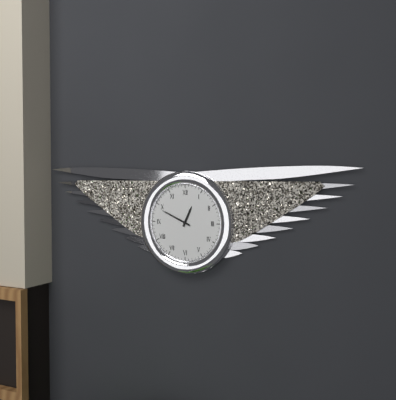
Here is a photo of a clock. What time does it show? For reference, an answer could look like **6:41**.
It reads **12:49**
